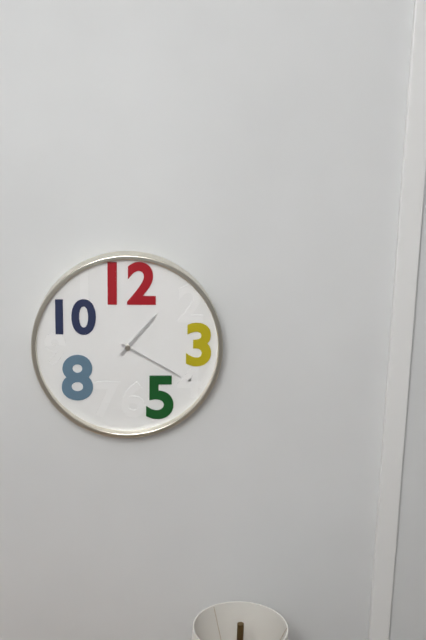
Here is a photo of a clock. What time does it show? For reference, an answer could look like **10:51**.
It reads **1:20**
